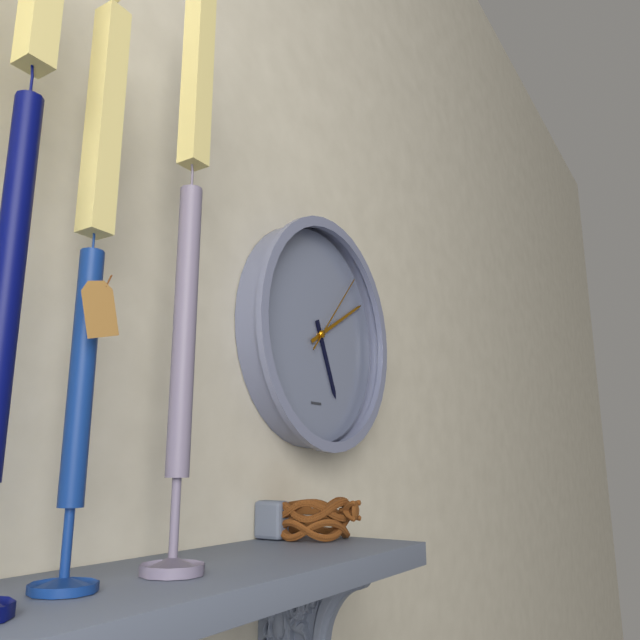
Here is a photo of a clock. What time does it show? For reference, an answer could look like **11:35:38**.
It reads **5:10:07**
